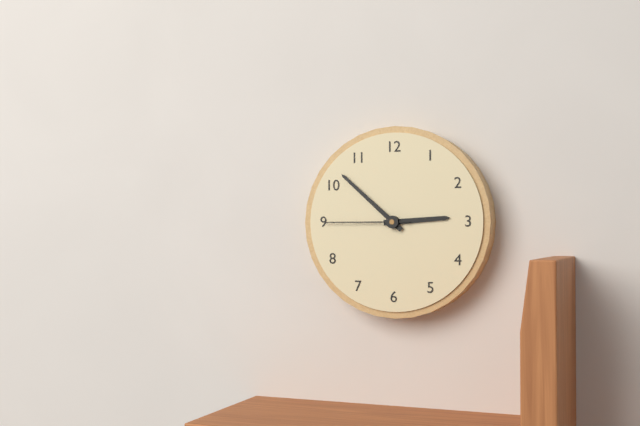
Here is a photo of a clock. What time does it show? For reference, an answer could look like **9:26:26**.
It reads **2:52:45**
